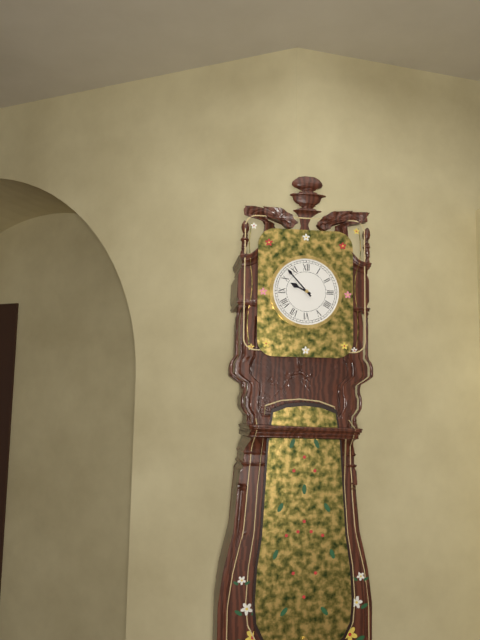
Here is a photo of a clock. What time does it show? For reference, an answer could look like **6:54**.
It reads **9:53**
